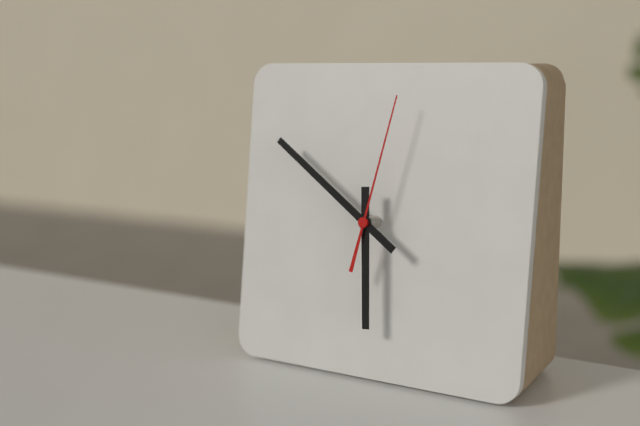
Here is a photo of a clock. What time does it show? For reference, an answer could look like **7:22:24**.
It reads **5:51:02**
